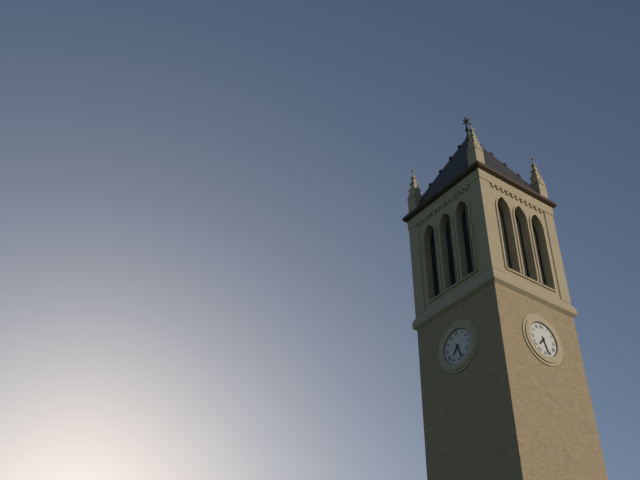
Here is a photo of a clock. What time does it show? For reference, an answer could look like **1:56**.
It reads **7:27**
